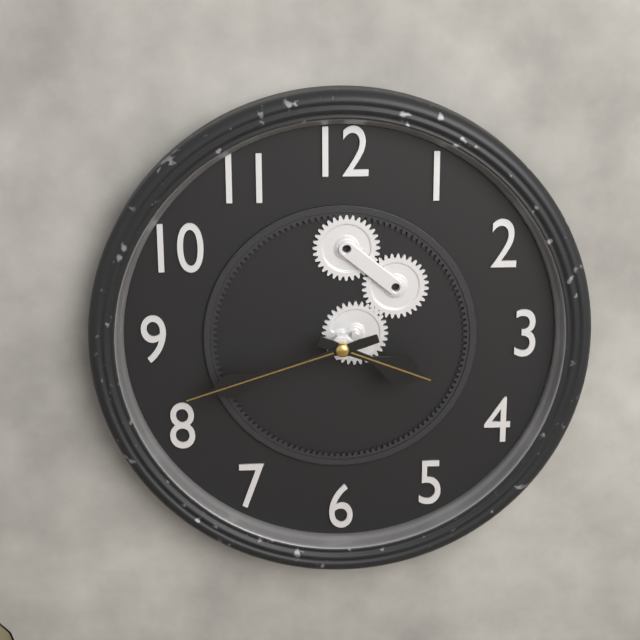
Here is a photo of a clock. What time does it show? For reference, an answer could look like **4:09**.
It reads **3:42**
